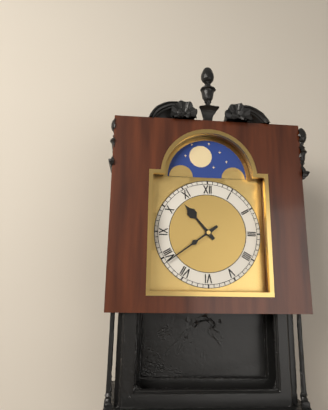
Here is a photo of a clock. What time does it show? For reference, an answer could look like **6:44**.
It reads **10:39**
